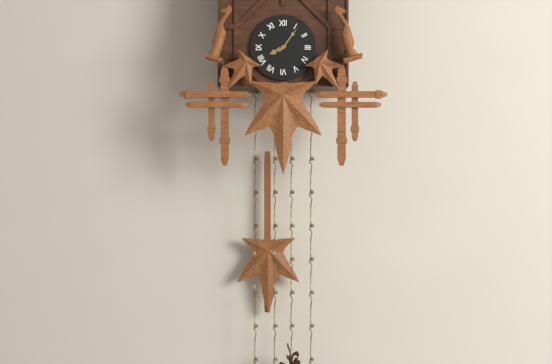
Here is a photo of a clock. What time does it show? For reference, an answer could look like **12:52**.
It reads **8:06**
